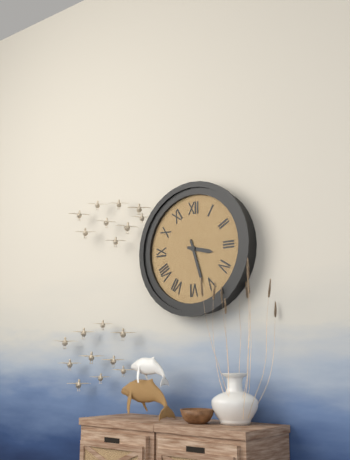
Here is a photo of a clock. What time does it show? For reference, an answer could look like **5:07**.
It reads **3:27**
